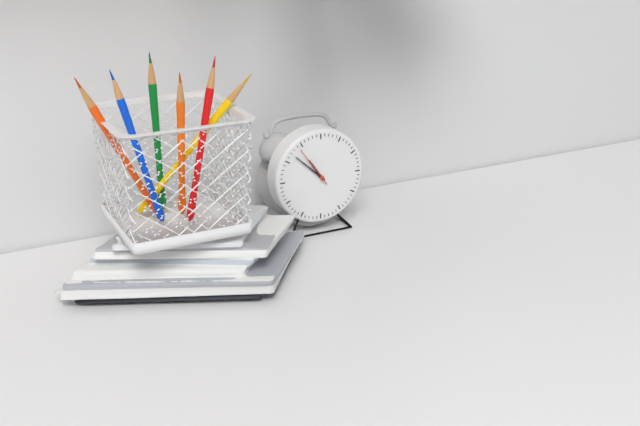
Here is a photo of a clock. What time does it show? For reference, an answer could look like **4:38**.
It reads **10:52**
